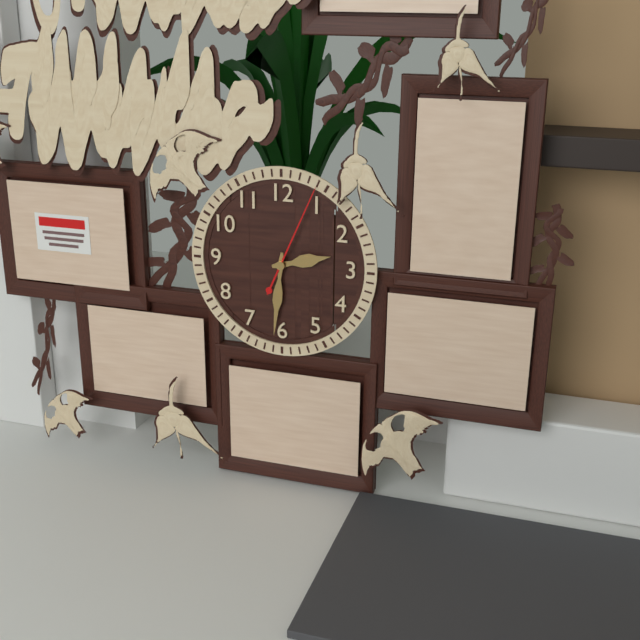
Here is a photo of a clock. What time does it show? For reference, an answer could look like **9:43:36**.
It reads **2:31:04**
